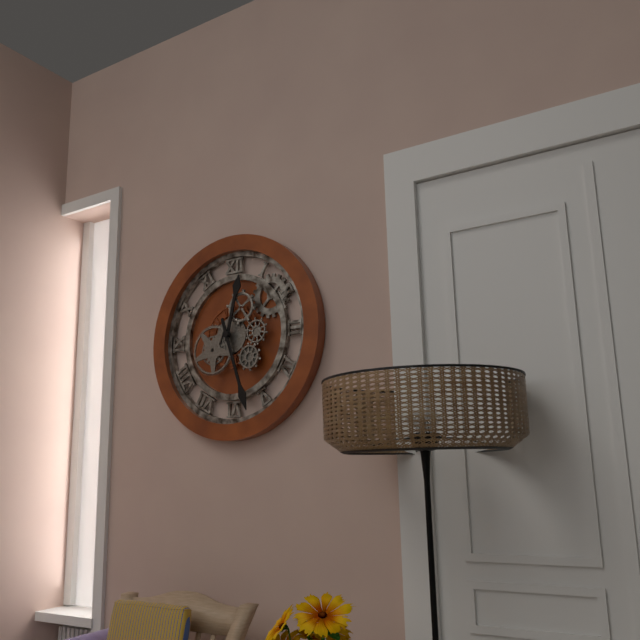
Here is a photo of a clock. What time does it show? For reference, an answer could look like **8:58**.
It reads **12:27**
